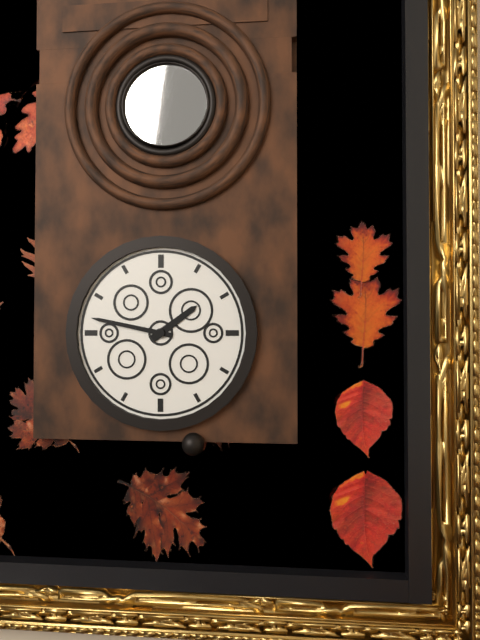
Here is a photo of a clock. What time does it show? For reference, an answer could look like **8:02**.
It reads **1:47**
